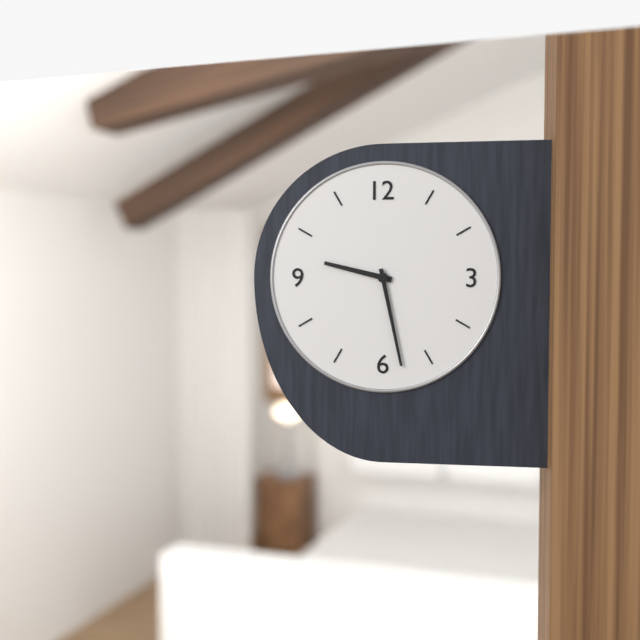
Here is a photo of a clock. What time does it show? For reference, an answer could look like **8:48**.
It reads **9:28**
